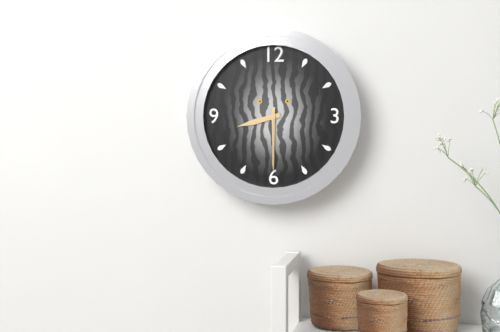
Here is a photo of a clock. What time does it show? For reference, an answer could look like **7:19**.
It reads **8:30**
